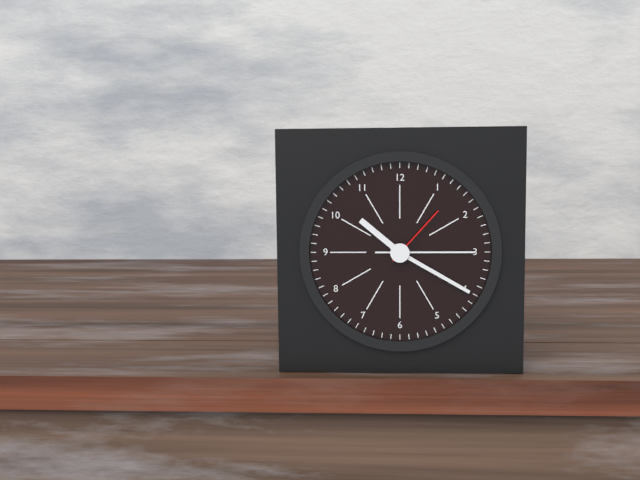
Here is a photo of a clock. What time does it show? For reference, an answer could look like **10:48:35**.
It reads **10:20:07**
